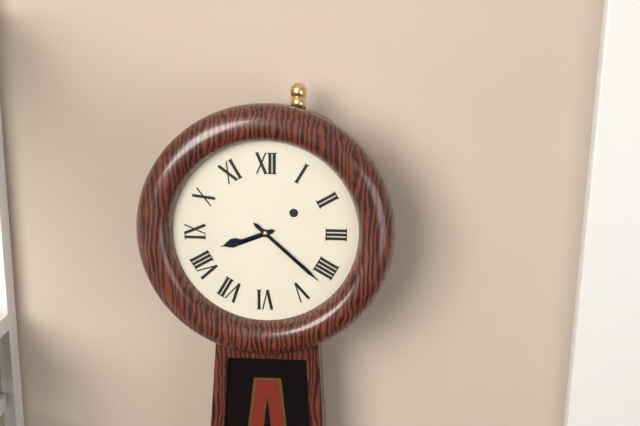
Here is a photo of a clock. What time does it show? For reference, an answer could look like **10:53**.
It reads **8:22**
